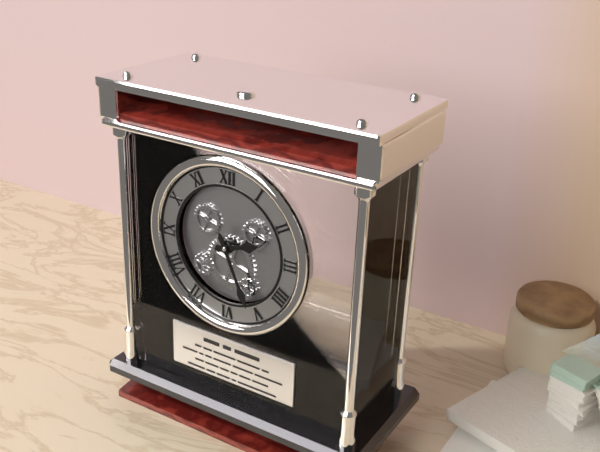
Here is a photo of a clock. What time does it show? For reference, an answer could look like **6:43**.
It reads **2:26**
